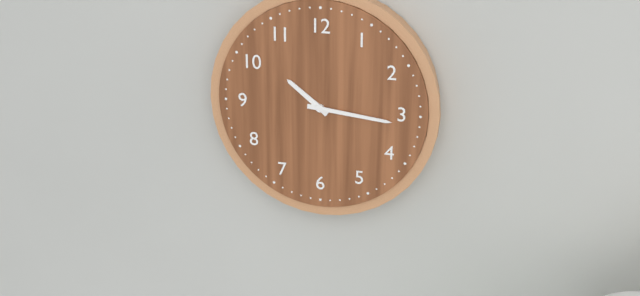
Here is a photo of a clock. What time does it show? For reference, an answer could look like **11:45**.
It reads **10:16**
